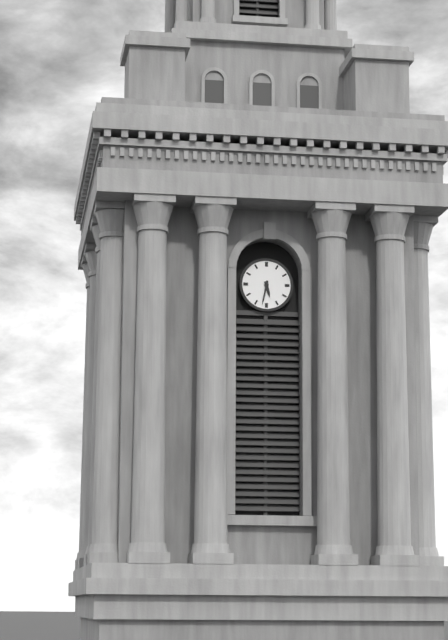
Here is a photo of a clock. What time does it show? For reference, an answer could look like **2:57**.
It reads **5:32**
